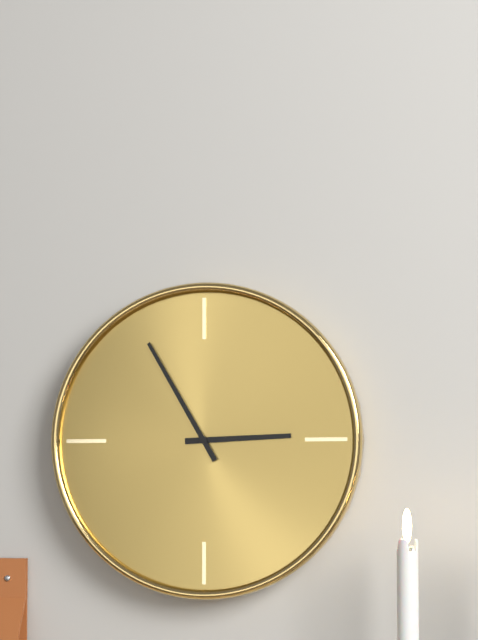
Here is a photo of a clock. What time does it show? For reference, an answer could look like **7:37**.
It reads **2:55**
